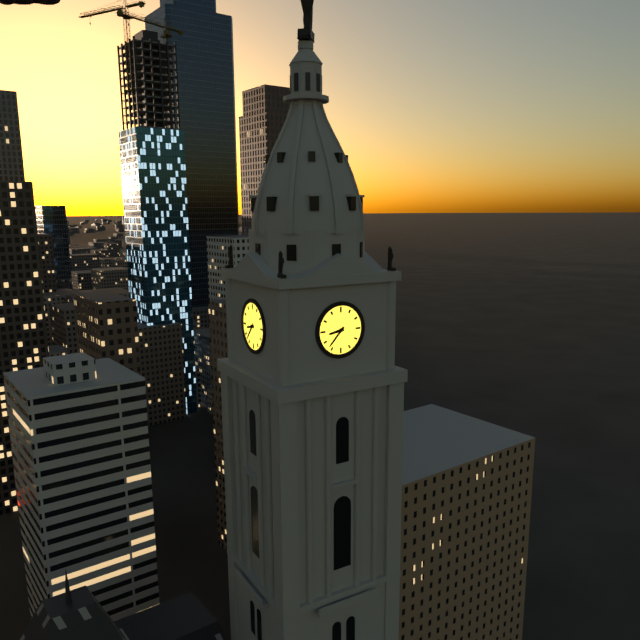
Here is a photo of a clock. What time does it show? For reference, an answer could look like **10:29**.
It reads **8:37**
